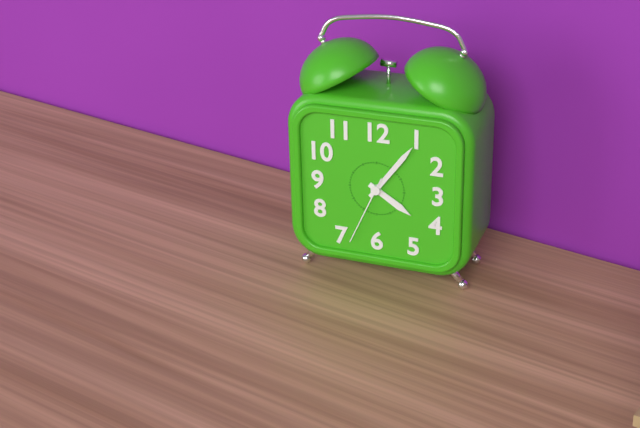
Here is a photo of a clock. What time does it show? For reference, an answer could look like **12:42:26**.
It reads **4:06:34**
